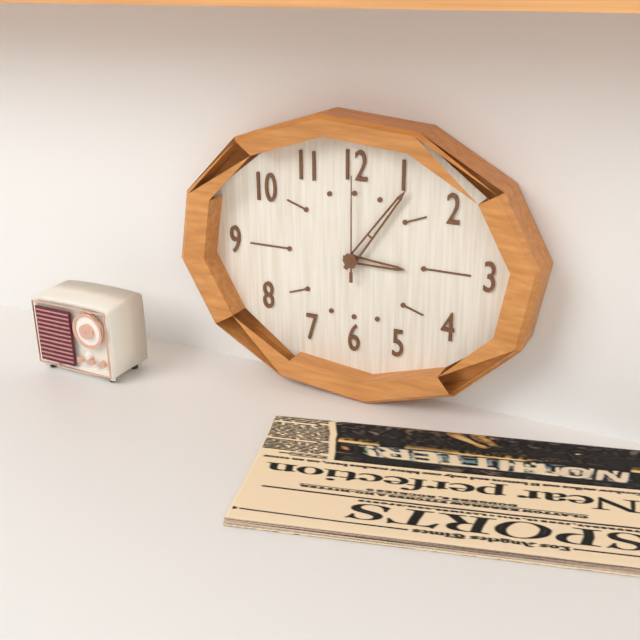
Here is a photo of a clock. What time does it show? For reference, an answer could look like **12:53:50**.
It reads **3:06:00**
